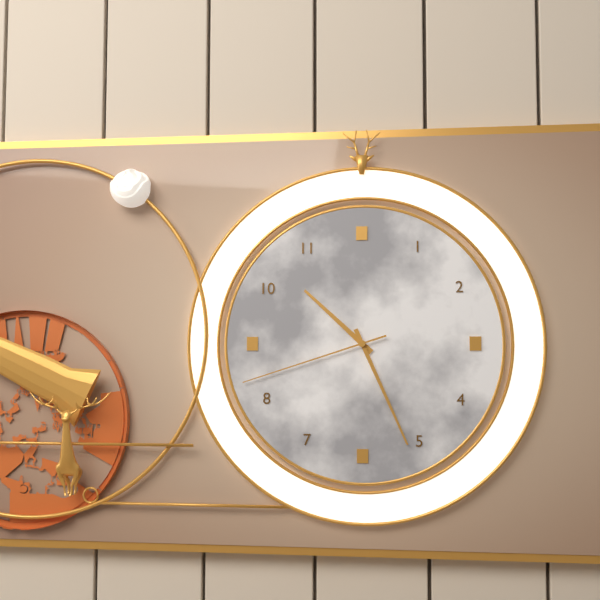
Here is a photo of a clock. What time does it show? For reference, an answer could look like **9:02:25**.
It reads **10:26:42**
